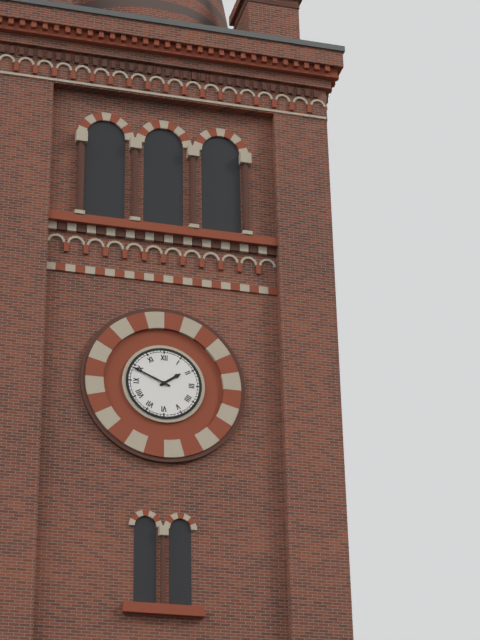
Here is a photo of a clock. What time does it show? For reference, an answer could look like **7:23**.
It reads **1:49**
